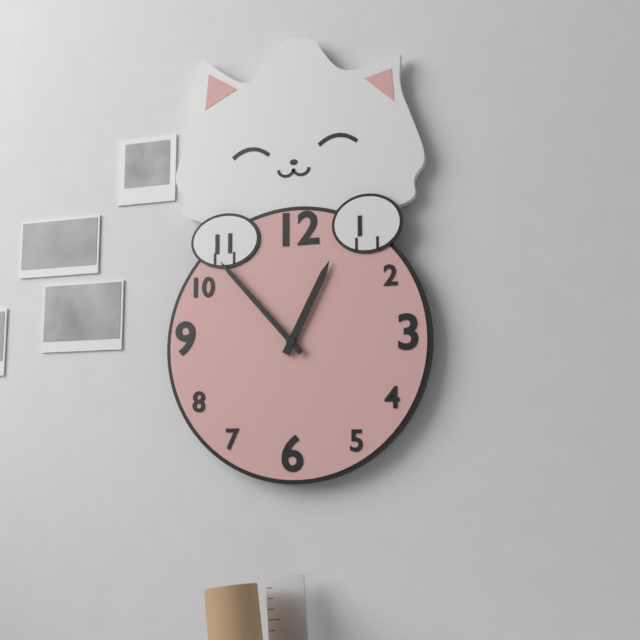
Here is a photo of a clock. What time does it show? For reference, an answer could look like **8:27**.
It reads **12:53**
